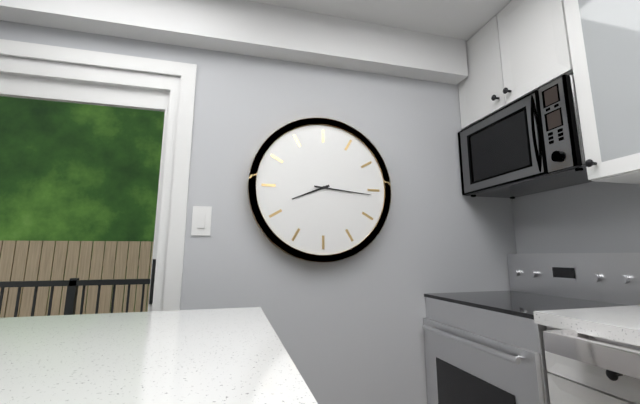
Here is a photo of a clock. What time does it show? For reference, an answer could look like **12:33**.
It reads **8:16**
